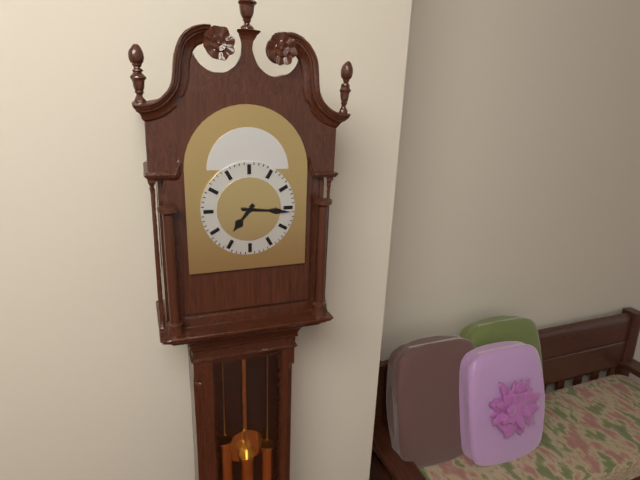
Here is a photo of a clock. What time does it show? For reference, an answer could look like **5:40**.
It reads **7:16**
